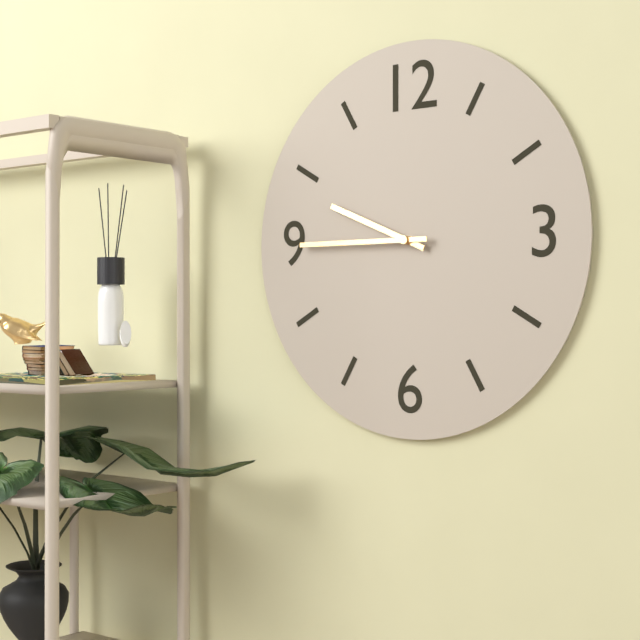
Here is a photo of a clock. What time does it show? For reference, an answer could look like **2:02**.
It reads **9:45**
